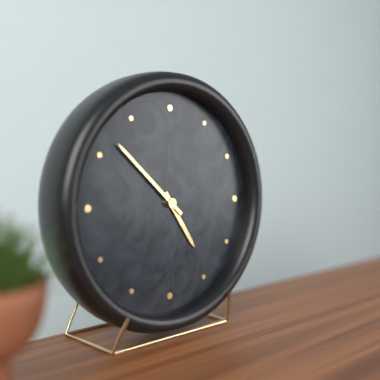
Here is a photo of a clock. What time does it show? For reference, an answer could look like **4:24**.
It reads **4:52**
